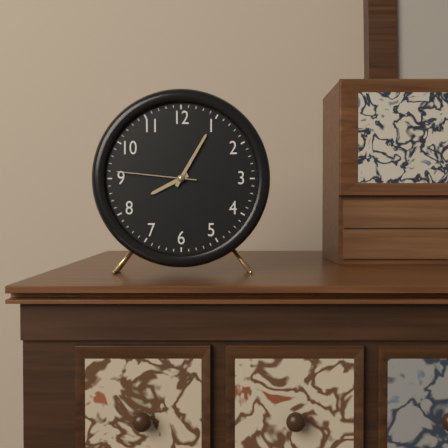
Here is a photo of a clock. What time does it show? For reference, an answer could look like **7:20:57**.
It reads **8:05:46**
